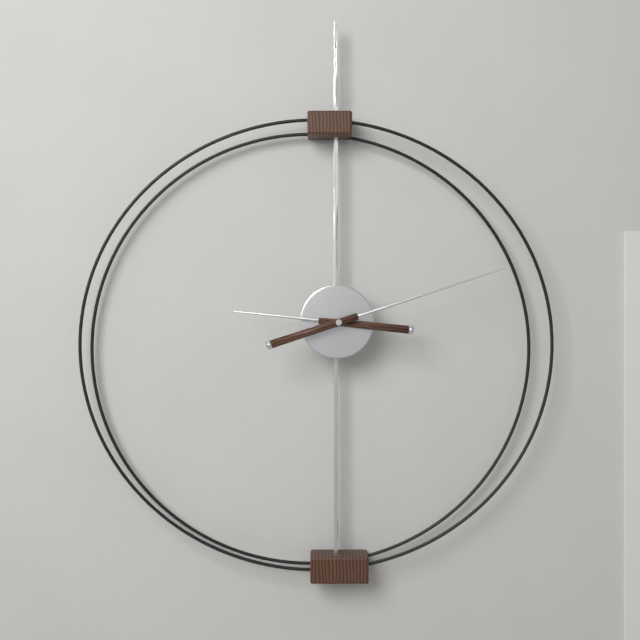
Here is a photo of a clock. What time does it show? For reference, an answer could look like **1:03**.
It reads **9:12**
